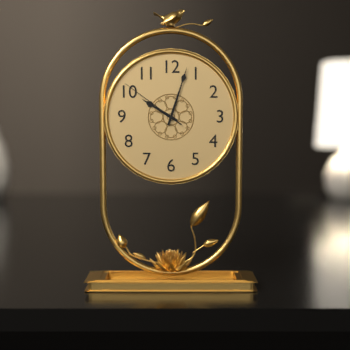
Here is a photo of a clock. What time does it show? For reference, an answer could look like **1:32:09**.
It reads **10:03:51**
